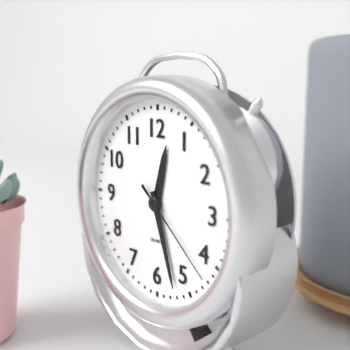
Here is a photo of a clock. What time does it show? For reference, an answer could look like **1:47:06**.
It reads **12:27:22**
